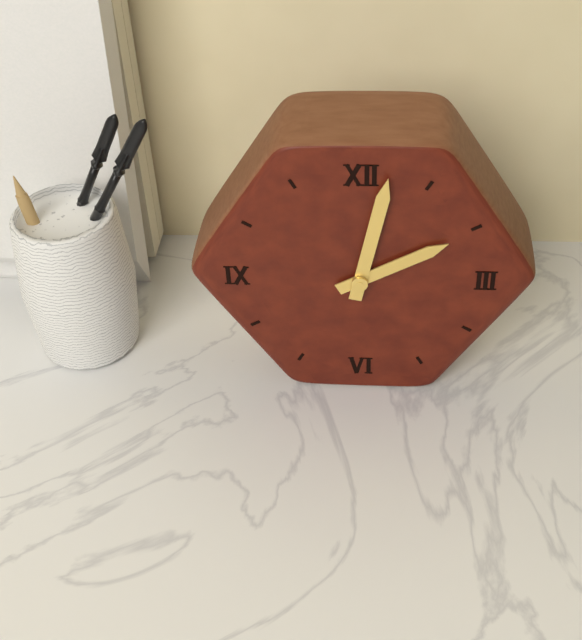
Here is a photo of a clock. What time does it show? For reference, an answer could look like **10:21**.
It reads **2:02**
